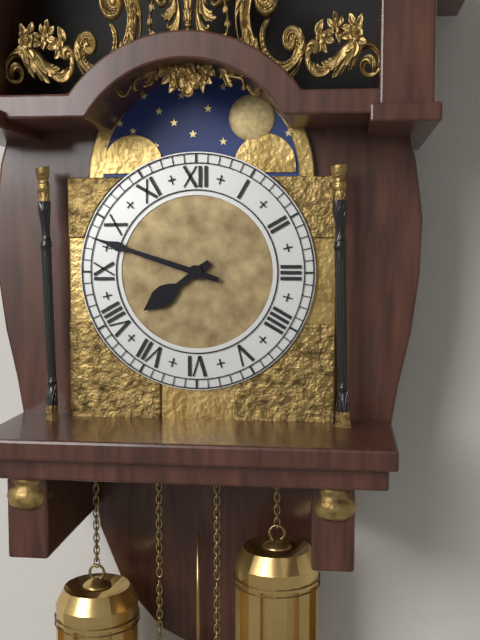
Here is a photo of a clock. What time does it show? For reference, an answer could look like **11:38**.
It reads **7:48**
